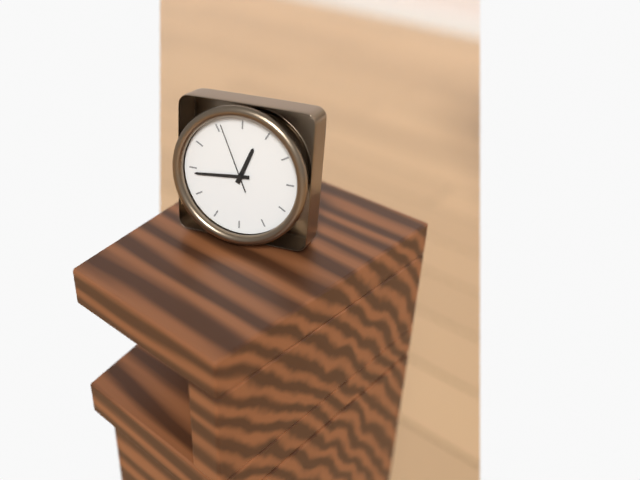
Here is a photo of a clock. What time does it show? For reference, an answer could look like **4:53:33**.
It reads **12:44:56**
